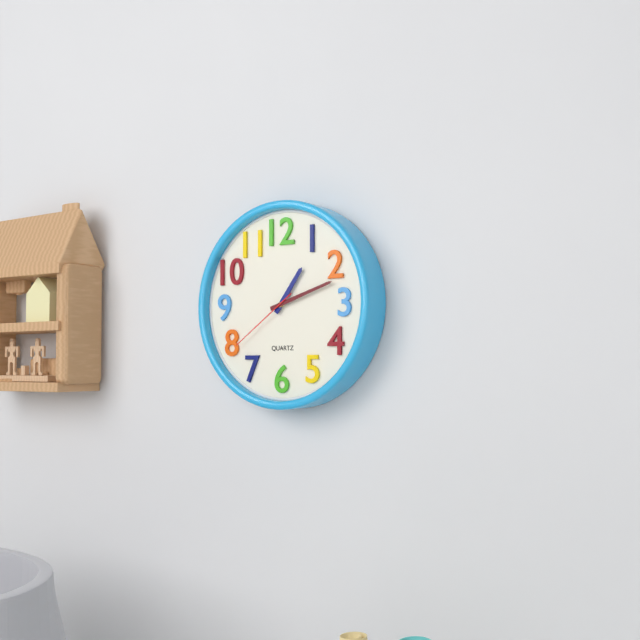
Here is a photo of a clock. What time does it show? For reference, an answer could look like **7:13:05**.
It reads **1:12:39**
